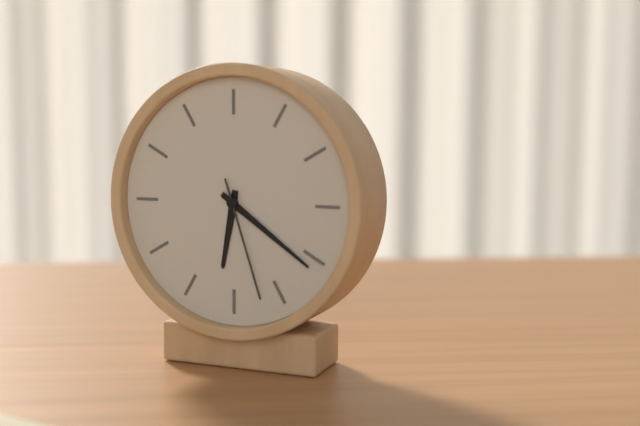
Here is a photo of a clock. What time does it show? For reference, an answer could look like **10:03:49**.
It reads **6:21:27**
